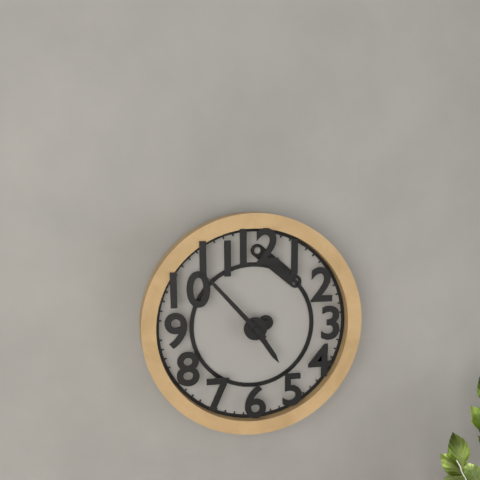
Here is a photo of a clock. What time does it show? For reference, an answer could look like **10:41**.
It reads **4:53**
